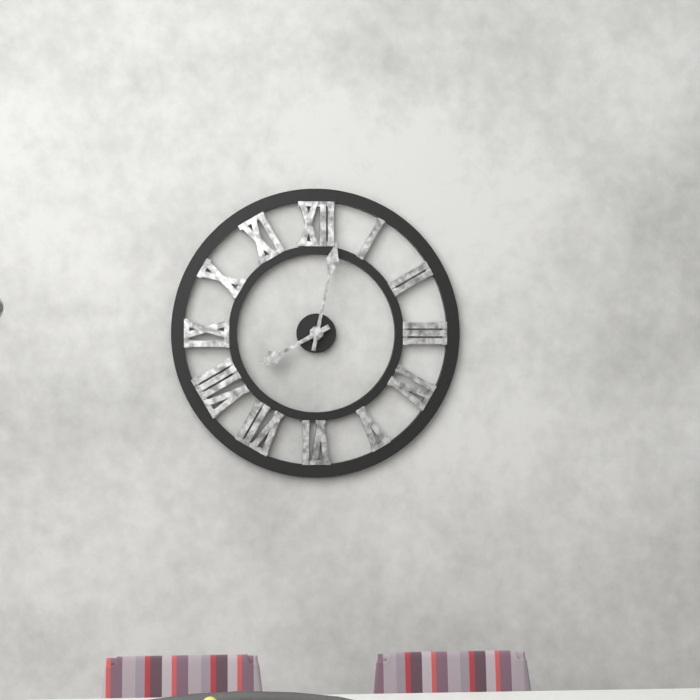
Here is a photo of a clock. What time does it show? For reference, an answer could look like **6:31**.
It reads **8:02**
